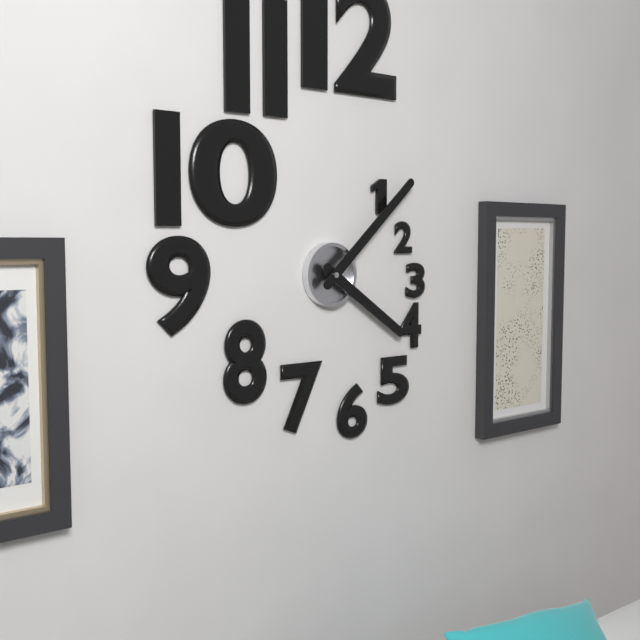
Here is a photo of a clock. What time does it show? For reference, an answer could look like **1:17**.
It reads **4:08**
